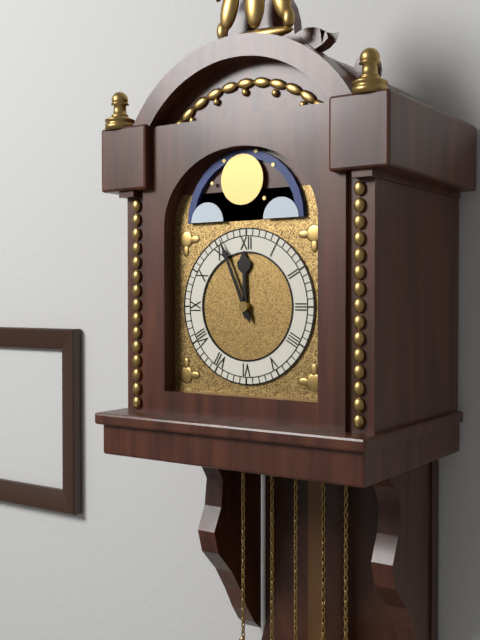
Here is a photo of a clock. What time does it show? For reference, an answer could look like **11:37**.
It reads **11:56**
